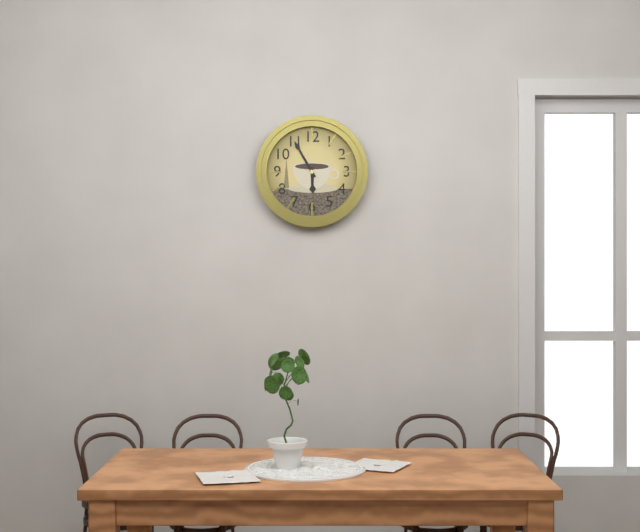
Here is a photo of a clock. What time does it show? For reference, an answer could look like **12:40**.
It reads **5:55**
